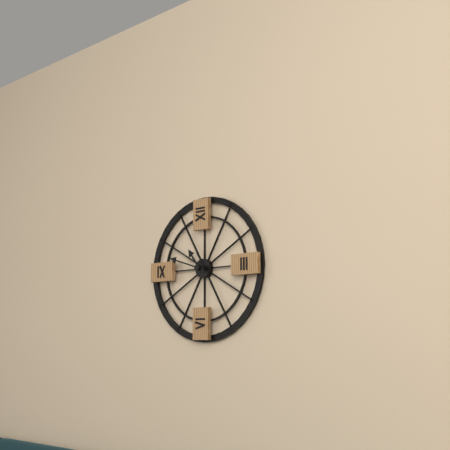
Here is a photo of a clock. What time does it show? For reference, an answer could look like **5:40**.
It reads **10:48**
